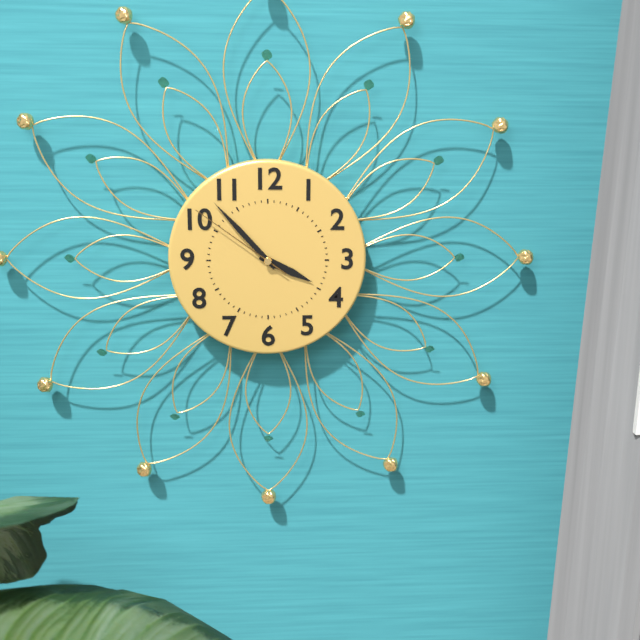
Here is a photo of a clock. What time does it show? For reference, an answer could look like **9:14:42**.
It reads **3:53:51**
